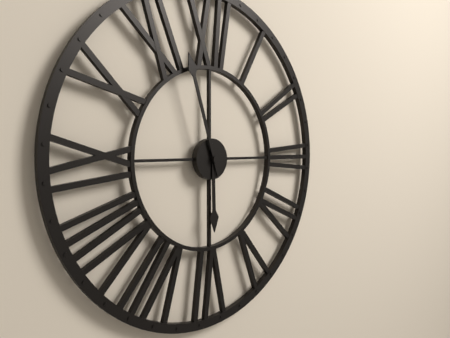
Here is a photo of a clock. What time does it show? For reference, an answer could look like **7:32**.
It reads **5:57**
